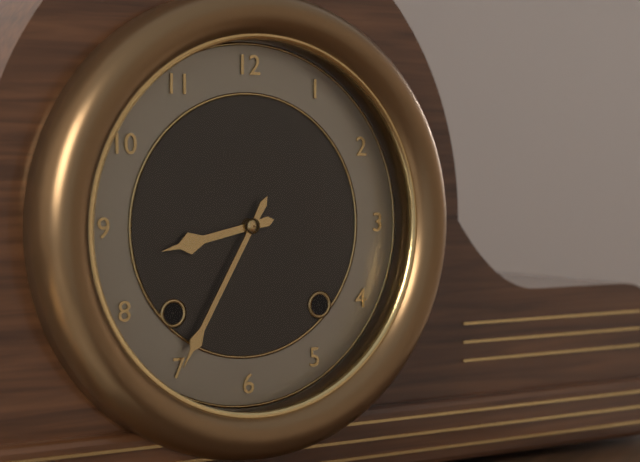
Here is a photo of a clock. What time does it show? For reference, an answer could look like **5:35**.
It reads **8:35**
